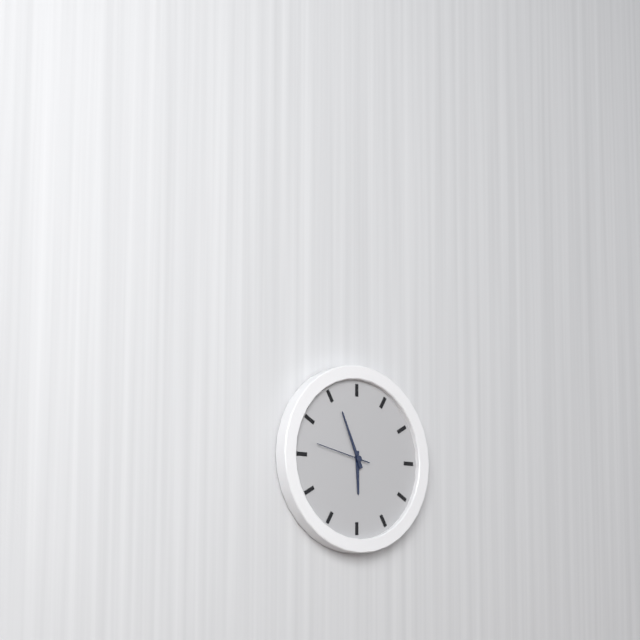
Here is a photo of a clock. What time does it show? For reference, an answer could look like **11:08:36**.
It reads **5:56:47**
